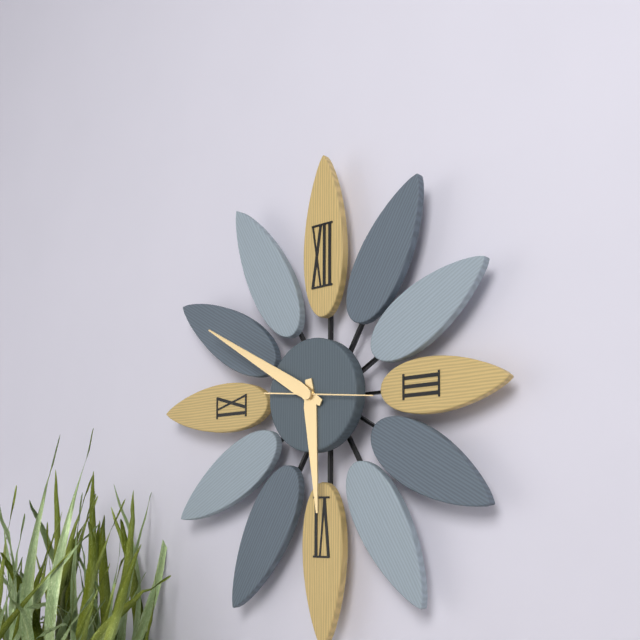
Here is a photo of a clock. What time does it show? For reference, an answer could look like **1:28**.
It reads **5:50**
